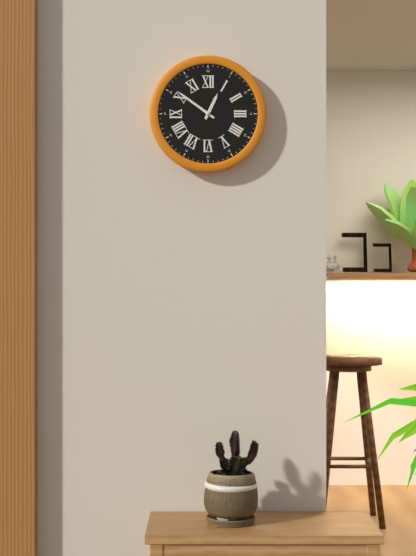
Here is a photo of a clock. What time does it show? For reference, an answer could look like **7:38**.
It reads **12:51**
